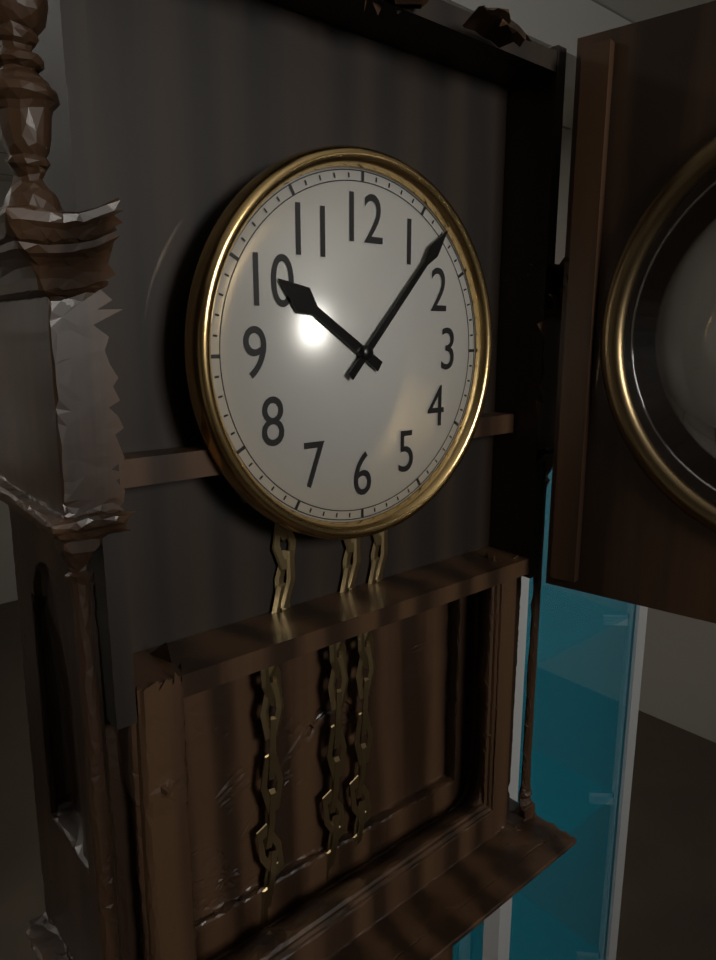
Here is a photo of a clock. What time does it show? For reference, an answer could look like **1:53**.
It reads **10:07**
